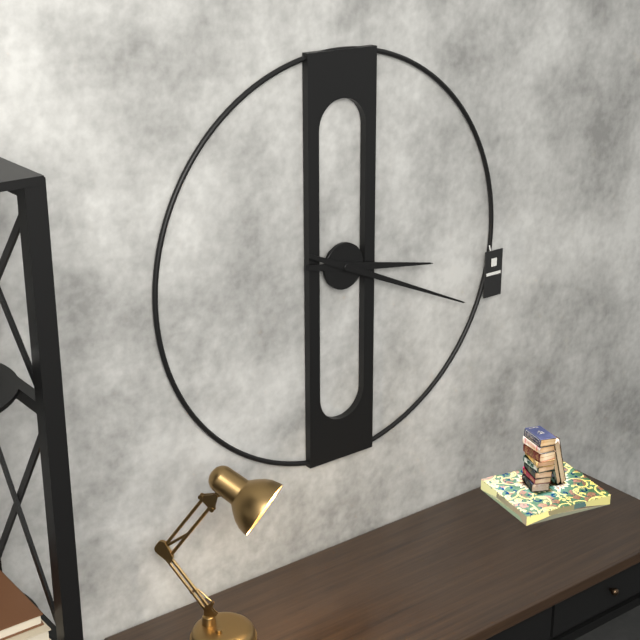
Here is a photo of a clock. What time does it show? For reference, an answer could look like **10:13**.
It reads **3:19**
